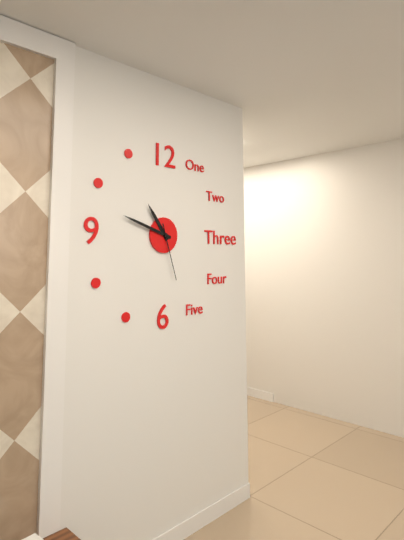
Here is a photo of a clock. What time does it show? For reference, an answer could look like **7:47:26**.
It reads **10:48:27**
